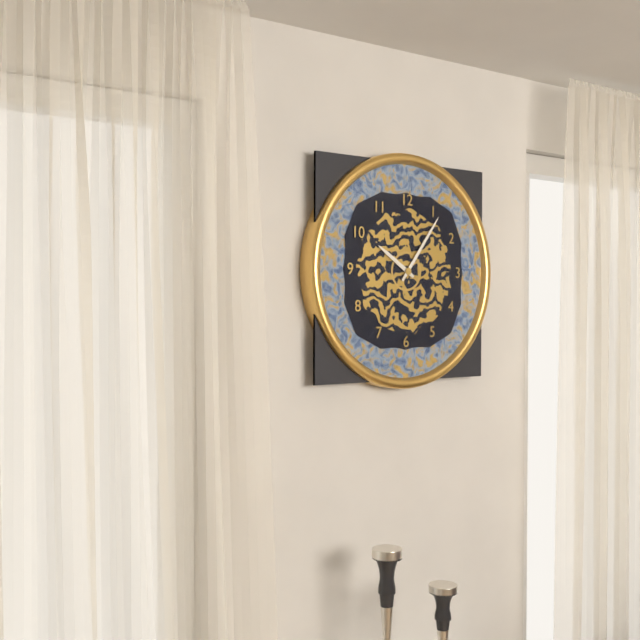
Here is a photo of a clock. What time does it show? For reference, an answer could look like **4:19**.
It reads **10:06**
